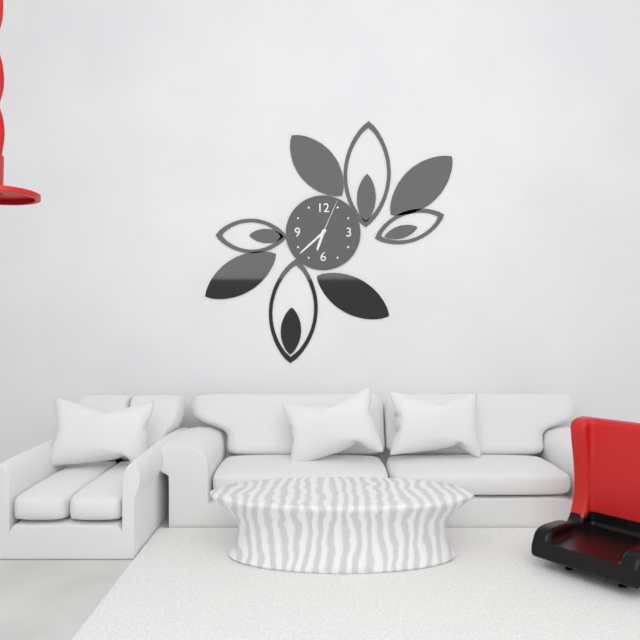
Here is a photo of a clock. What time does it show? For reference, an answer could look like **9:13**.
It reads **6:38**
